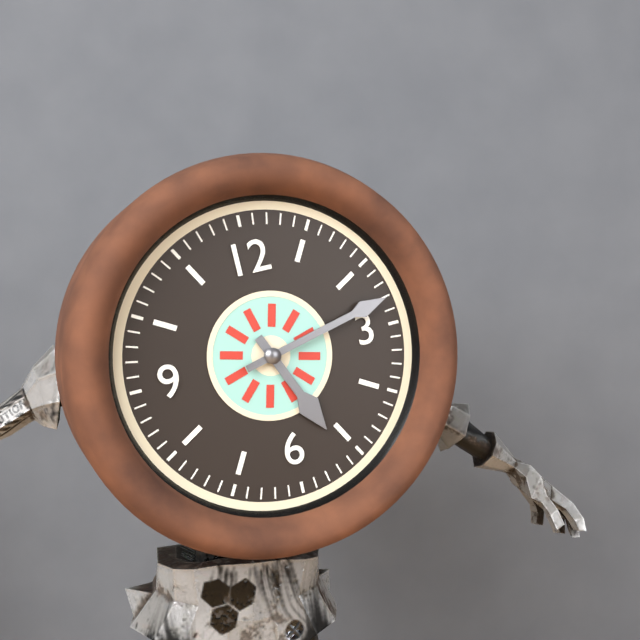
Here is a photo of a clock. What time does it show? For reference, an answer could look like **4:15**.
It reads **5:13**
